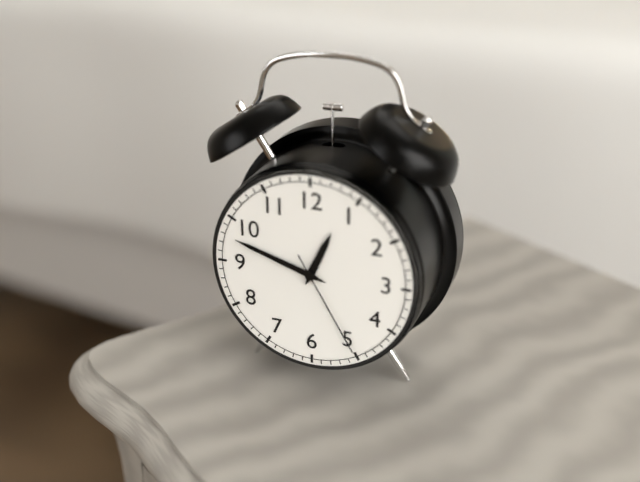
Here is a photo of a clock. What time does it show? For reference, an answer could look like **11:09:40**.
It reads **12:48:25**
